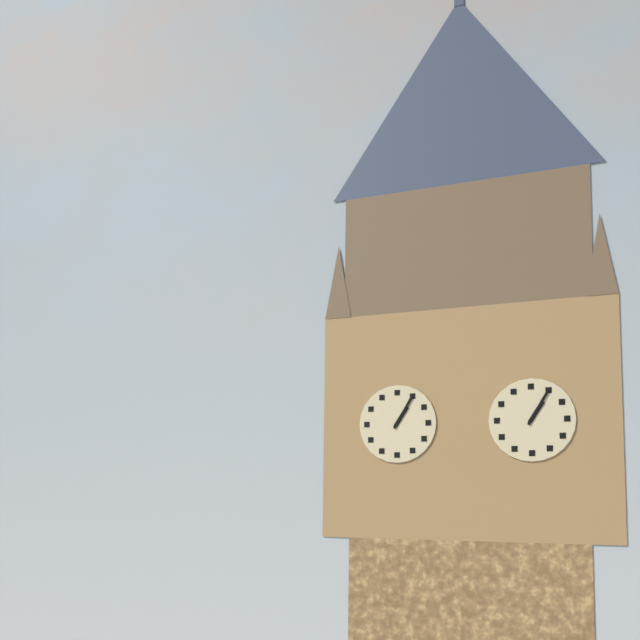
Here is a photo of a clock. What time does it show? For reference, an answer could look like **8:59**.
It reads **1:05**
